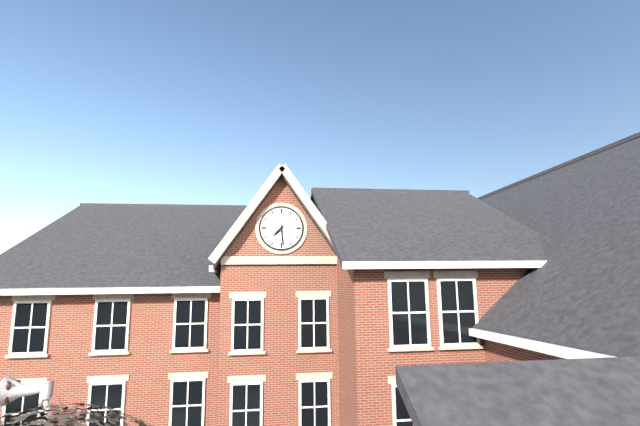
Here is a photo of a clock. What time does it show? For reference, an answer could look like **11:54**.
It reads **7:29**
